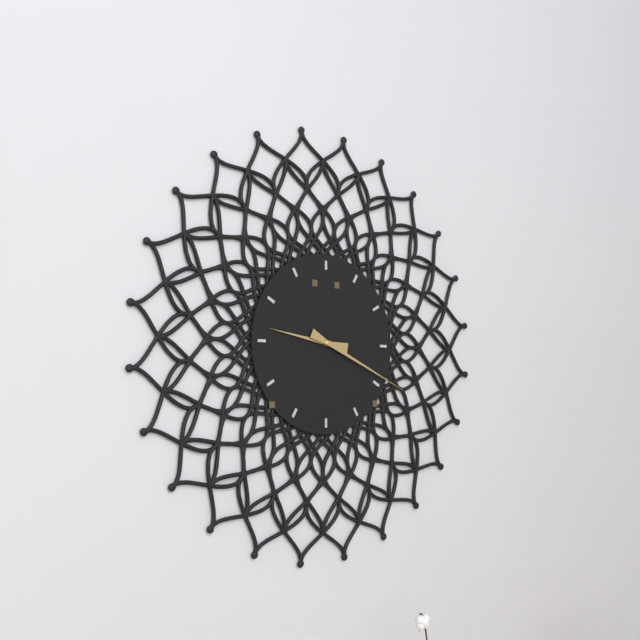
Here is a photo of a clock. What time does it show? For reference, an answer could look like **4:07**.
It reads **9:19**
